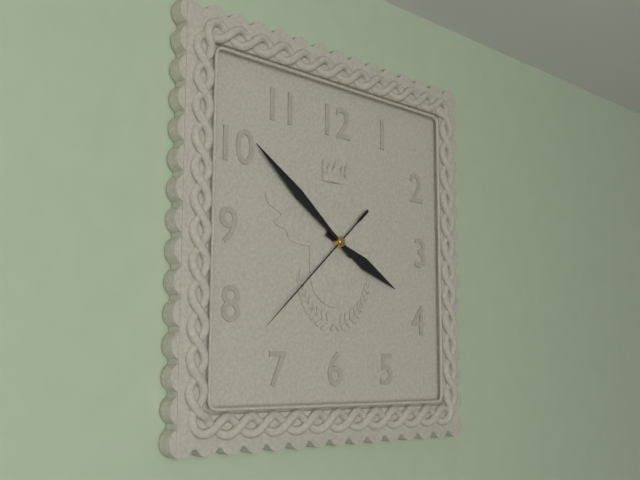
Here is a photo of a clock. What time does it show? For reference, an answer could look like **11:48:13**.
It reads **3:51:38**
